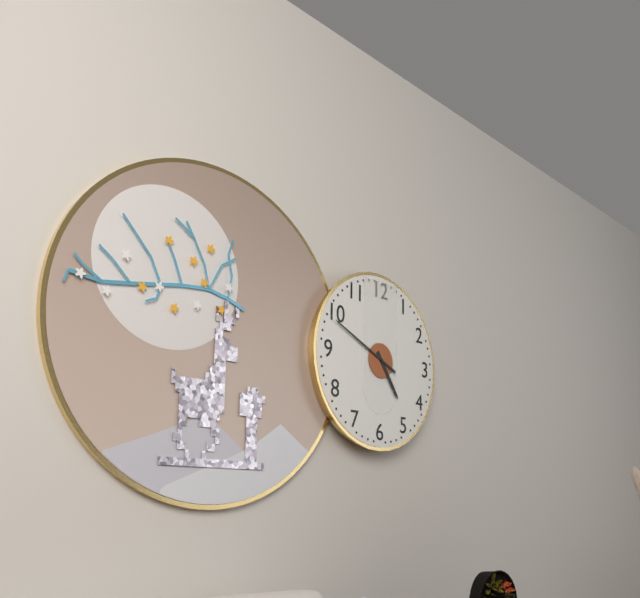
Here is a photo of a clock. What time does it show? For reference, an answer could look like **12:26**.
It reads **4:49**
